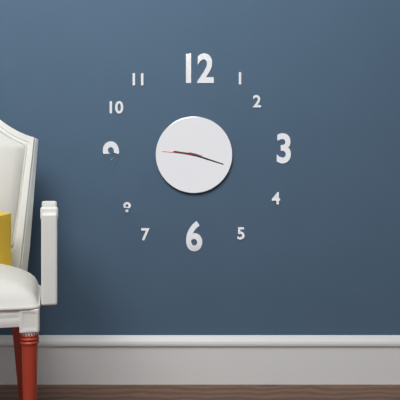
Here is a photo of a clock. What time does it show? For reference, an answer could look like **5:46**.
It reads **9:18**
